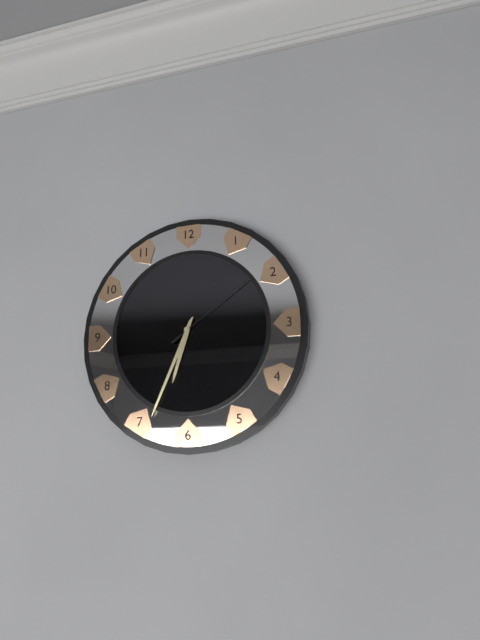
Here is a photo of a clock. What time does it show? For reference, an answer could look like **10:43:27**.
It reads **6:34:09**
